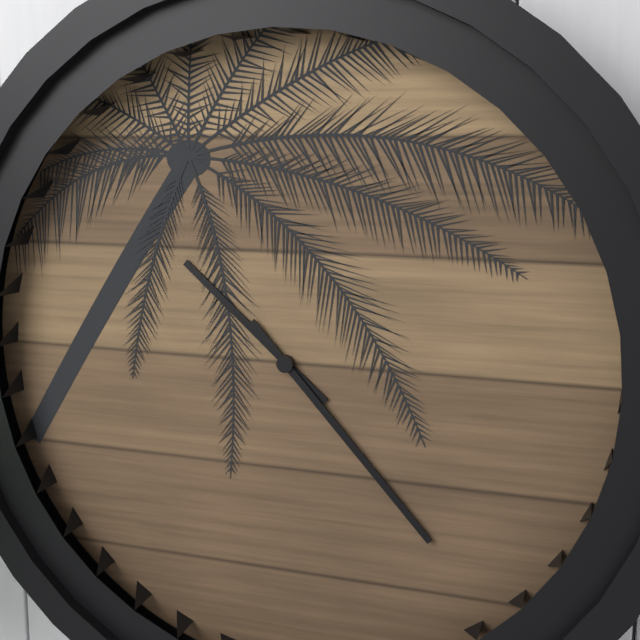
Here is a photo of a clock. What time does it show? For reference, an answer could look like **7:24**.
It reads **10:23**
